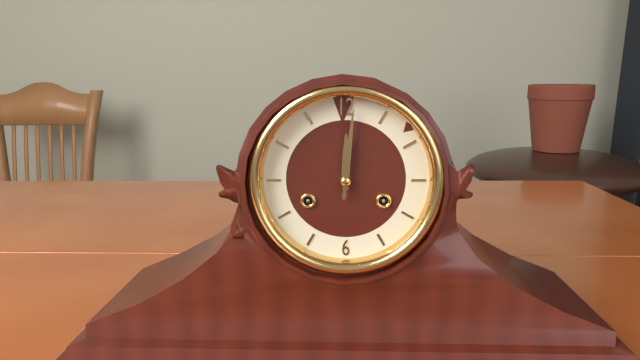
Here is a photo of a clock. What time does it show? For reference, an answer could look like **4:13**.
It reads **12:01**
